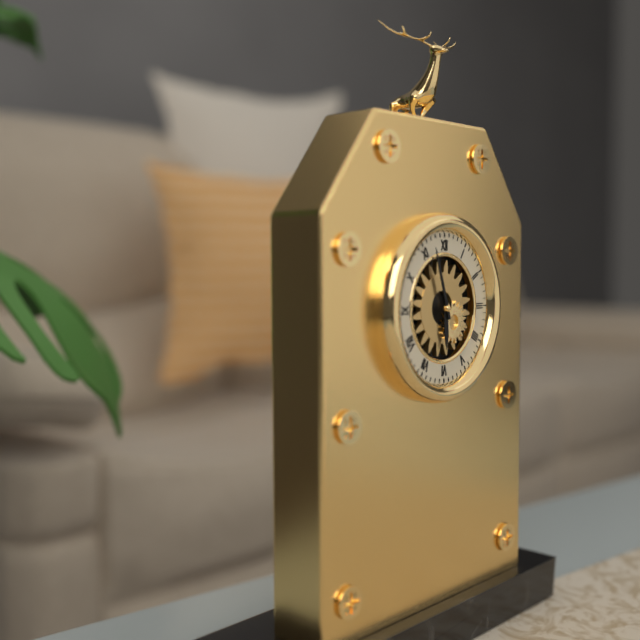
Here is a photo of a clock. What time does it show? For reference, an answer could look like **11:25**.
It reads **5:57**
